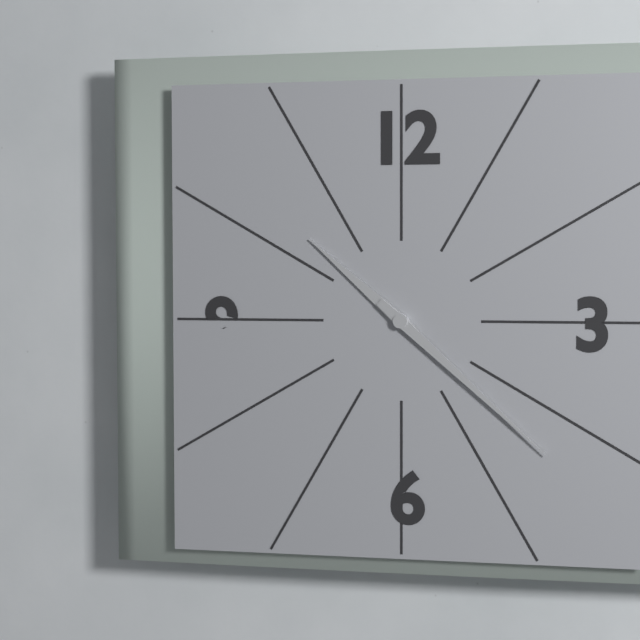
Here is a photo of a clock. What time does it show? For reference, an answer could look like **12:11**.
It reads **10:22**
